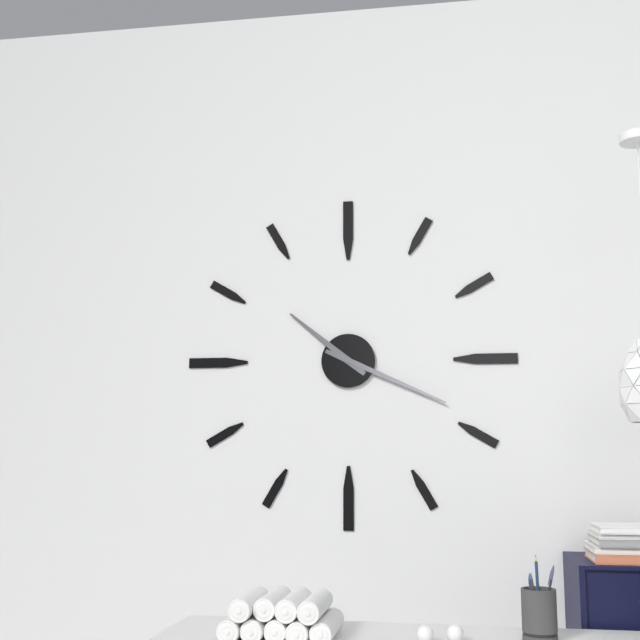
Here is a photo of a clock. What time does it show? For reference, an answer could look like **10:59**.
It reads **10:19**
